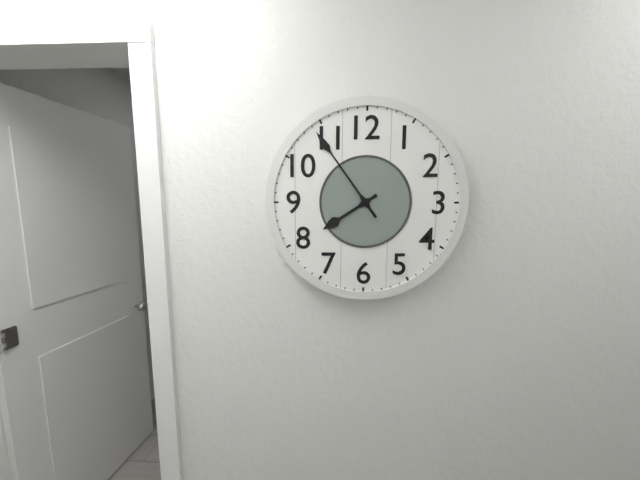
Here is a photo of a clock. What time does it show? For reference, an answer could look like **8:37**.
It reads **7:54**
